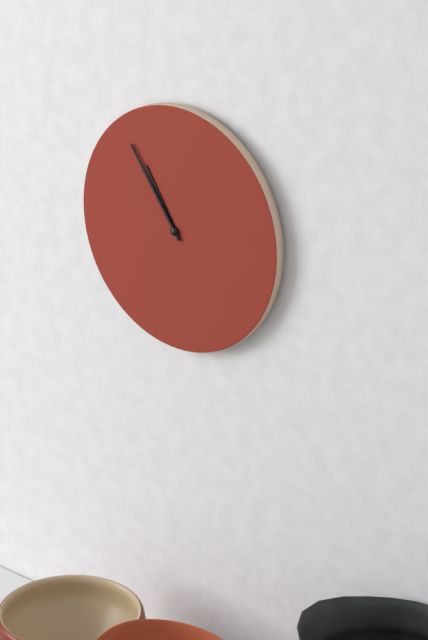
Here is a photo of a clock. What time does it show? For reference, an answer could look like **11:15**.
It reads **10:54**
